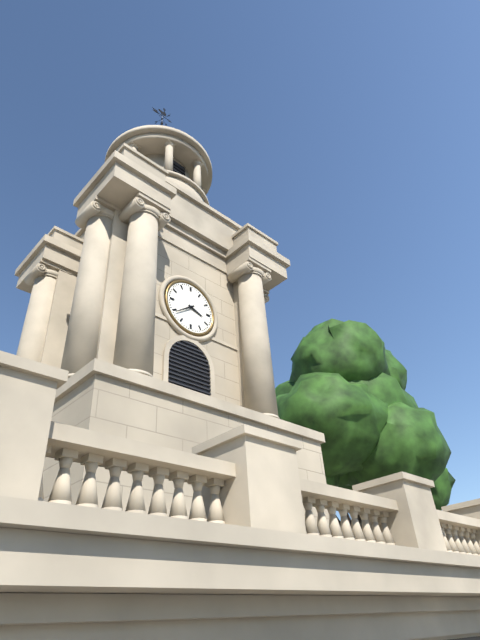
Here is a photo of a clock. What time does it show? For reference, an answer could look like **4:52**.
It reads **3:39**
